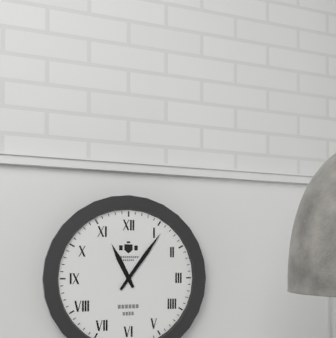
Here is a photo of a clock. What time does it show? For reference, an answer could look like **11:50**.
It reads **11:06**
